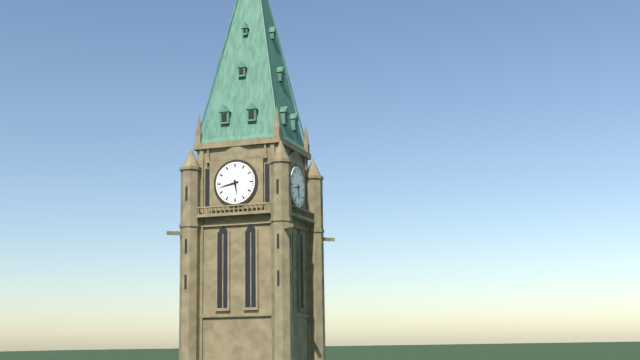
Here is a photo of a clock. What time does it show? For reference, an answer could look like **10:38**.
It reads **5:43**
